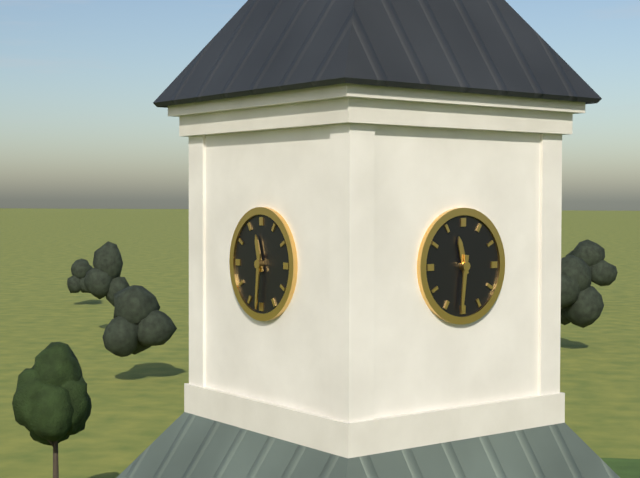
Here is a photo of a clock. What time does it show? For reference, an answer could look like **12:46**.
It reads **11:31**
